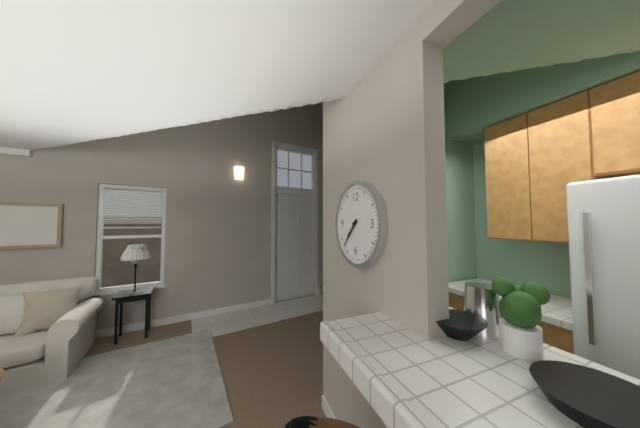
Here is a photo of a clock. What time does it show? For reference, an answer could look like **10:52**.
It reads **7:37**
